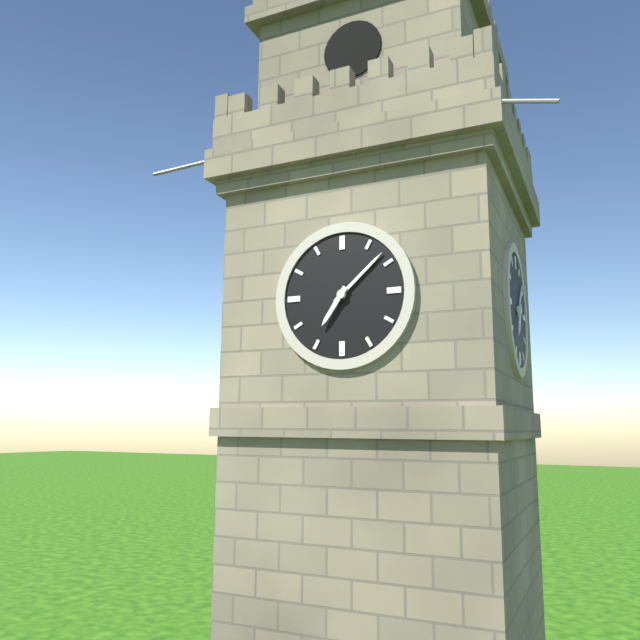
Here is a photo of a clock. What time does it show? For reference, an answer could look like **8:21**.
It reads **7:08**
